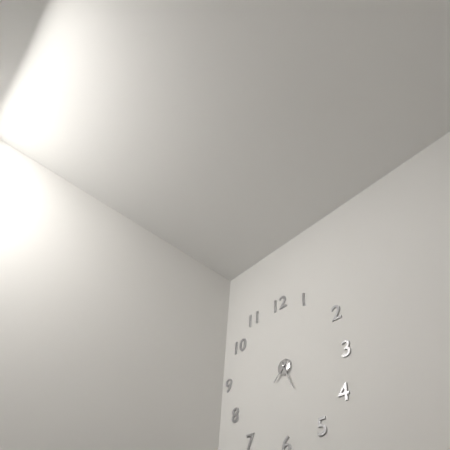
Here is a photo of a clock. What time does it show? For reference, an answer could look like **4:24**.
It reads **7:26**
